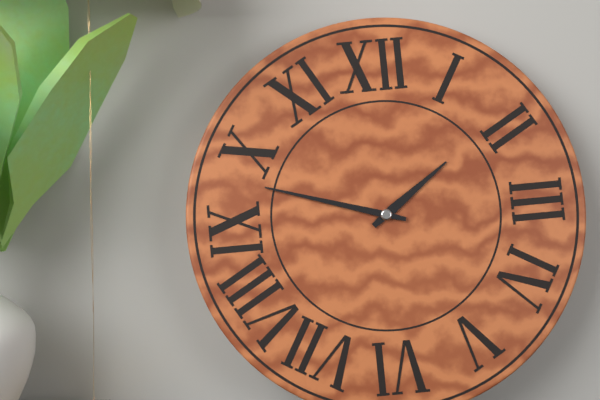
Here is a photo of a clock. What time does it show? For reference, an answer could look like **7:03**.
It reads **1:48**
